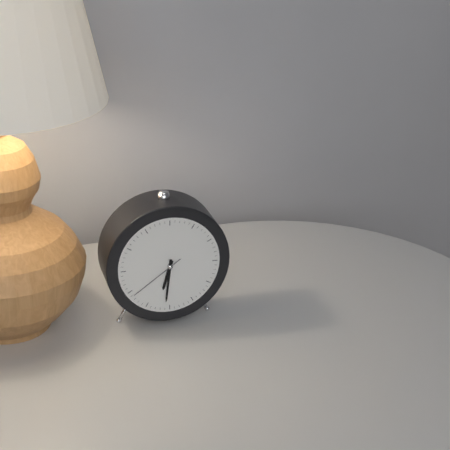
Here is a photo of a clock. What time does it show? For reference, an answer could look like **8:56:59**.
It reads **6:31:39**
